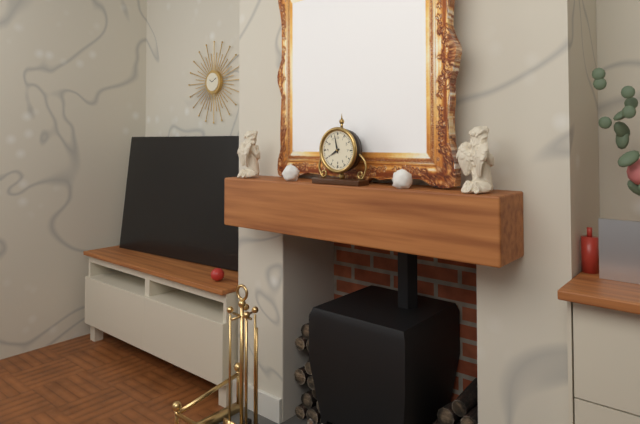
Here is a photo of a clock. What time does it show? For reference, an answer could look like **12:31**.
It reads **7:58**
